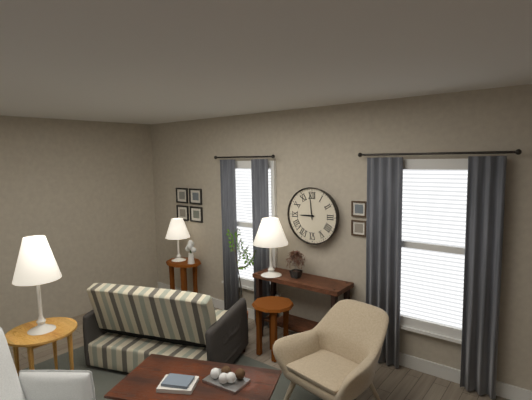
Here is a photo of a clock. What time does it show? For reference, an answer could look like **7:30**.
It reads **8:59**
